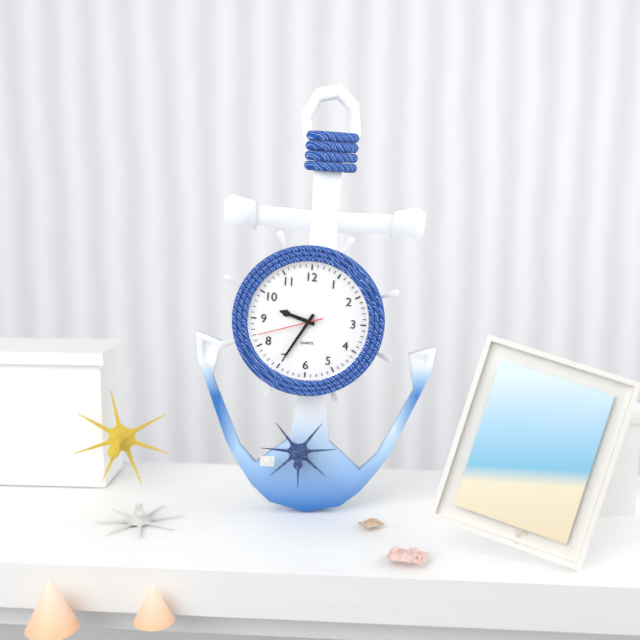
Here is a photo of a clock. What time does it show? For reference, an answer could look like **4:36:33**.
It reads **9:35:42**
